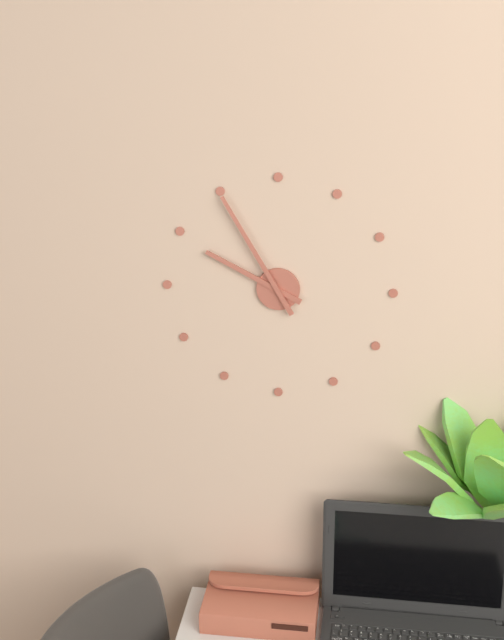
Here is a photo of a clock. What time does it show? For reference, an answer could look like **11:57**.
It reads **9:55**
